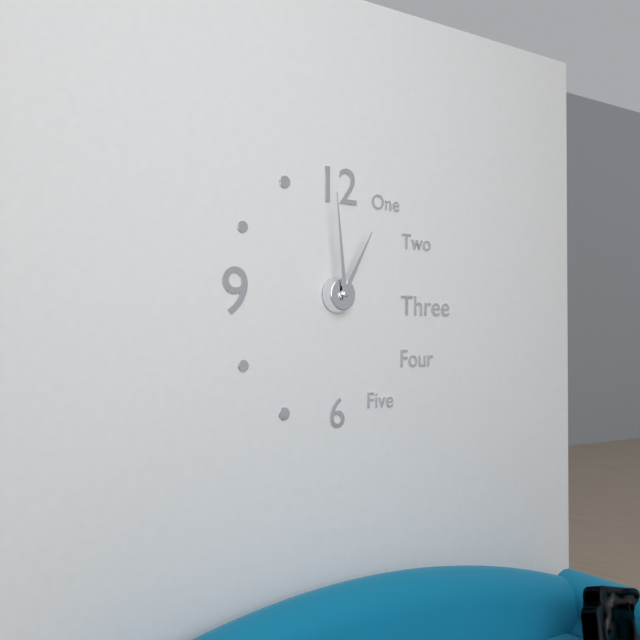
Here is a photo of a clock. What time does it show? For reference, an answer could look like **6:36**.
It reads **12:59**
